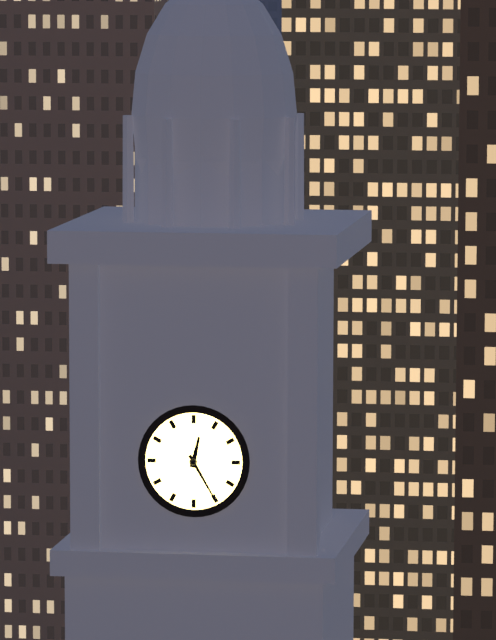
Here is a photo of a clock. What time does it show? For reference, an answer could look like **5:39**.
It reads **12:25**
